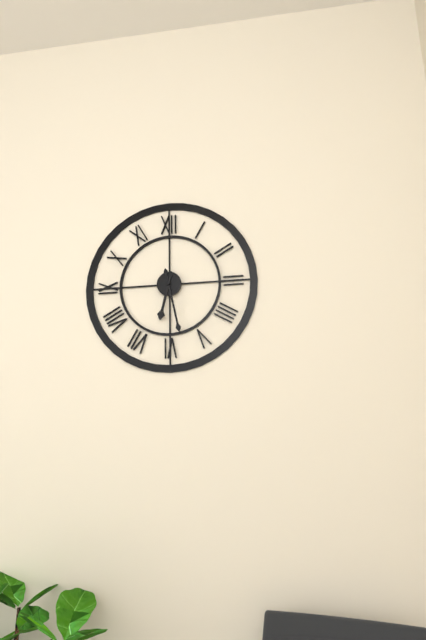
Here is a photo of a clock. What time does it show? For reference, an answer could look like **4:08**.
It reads **6:28**
